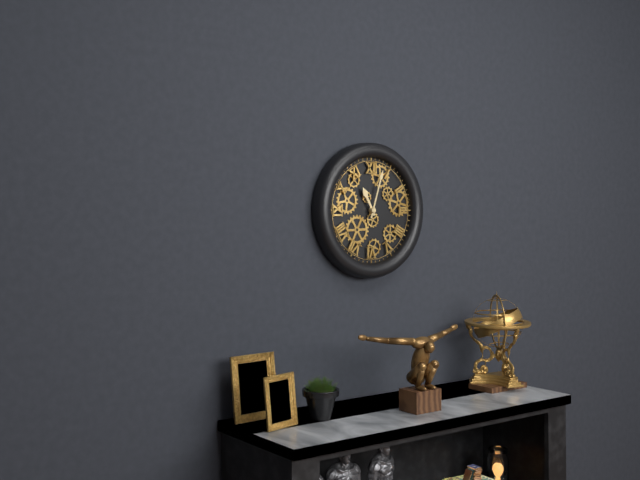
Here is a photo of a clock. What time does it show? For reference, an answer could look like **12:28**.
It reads **11:03**
